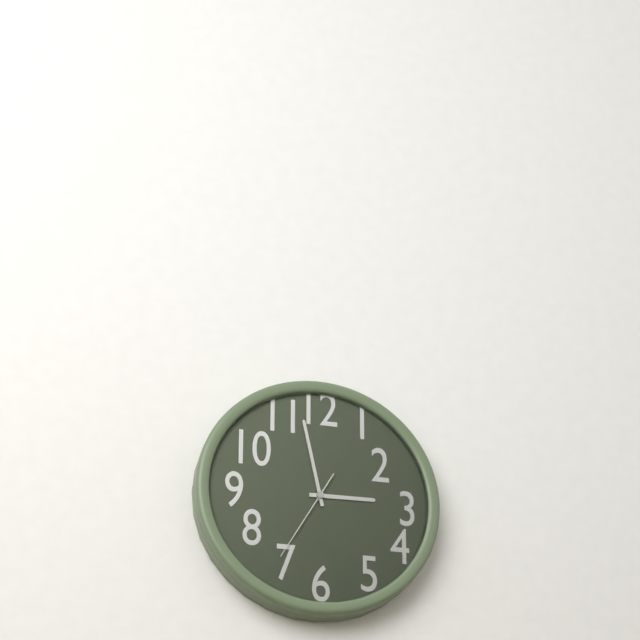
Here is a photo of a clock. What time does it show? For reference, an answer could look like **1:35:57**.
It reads **2:58:35**
